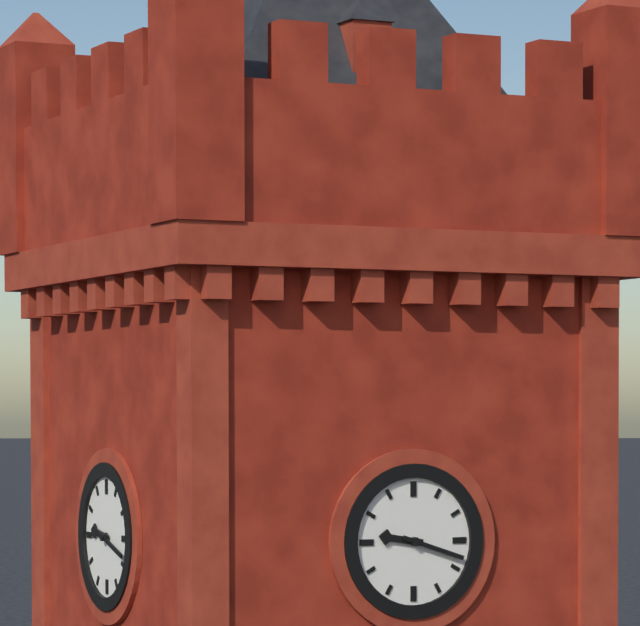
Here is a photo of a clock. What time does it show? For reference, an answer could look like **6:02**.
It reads **9:18**
